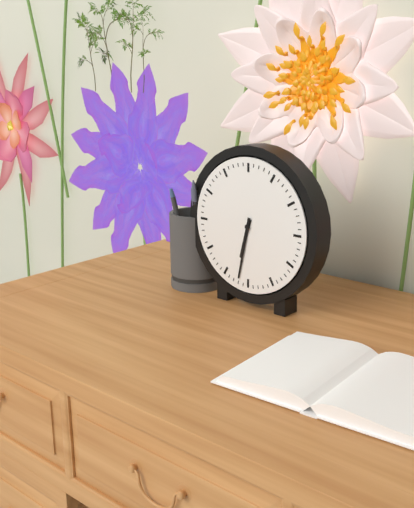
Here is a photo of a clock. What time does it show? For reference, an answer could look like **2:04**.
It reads **6:32**
